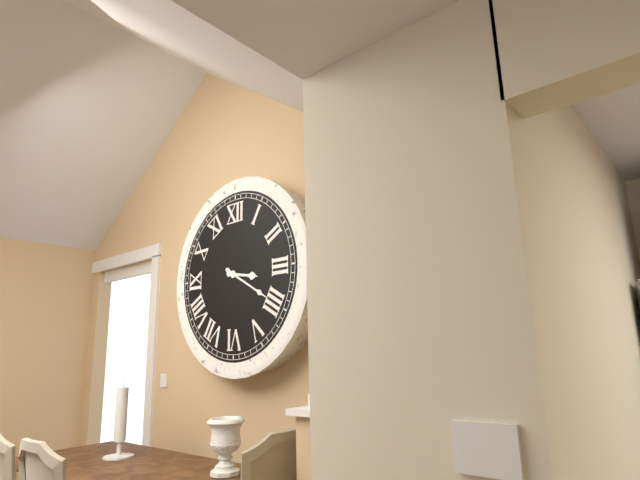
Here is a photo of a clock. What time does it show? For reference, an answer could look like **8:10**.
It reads **3:20**
